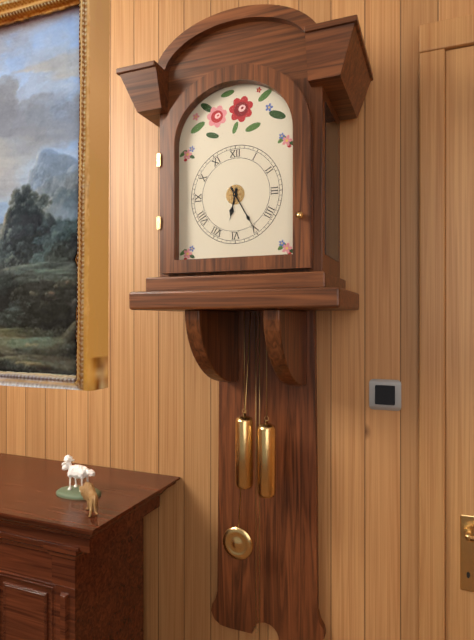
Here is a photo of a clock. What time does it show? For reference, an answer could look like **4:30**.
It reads **6:25**
